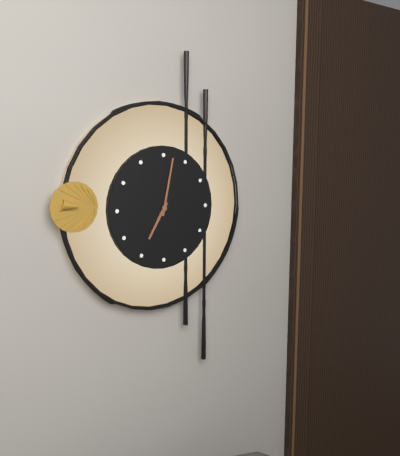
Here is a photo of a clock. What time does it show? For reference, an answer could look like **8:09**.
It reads **7:02**
